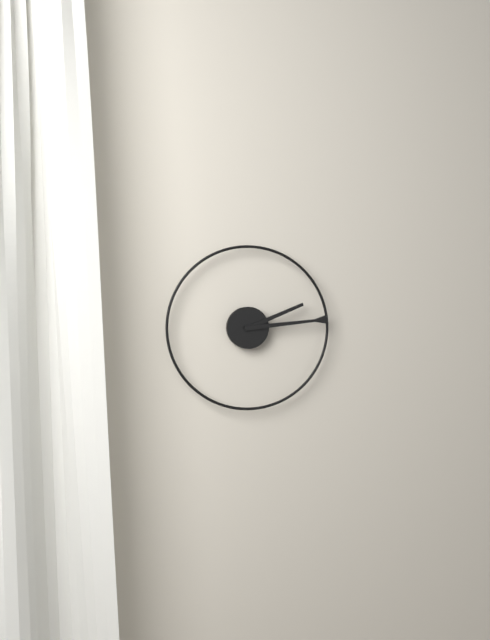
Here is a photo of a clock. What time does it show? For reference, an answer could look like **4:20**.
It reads **2:14**
